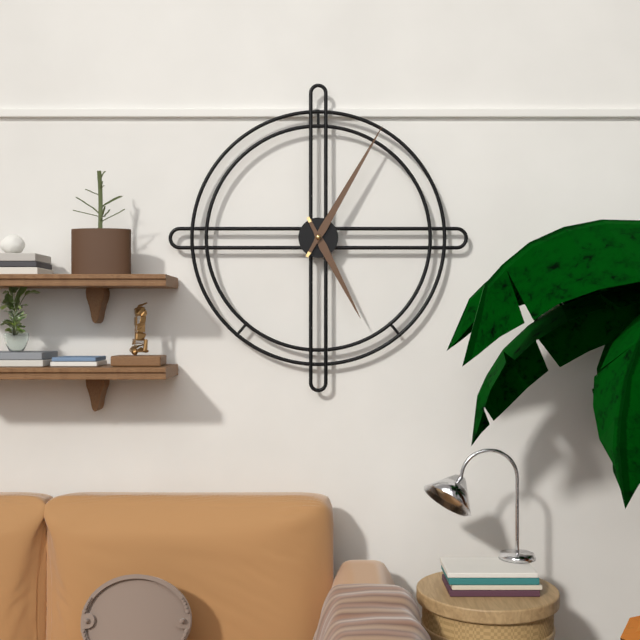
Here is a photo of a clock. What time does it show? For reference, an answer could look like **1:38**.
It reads **5:05**
